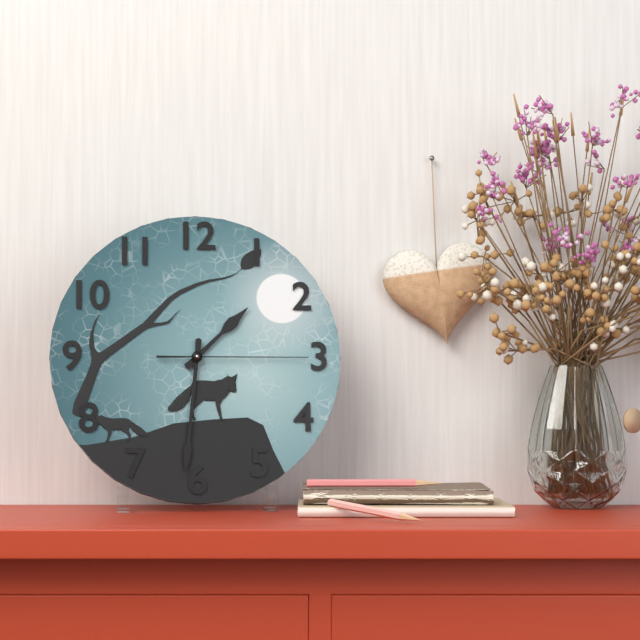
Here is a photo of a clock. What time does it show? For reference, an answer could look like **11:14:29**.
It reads **1:31:15**
